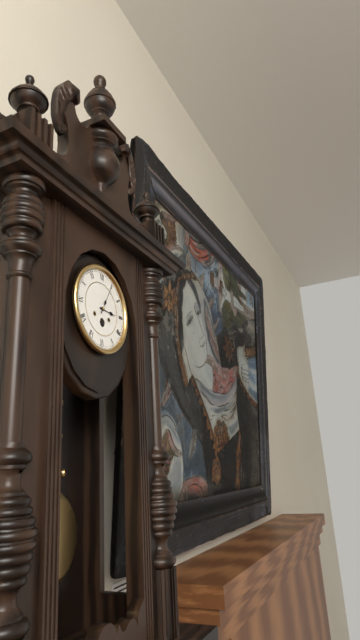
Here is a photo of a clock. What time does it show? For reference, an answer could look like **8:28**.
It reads **3:05**
